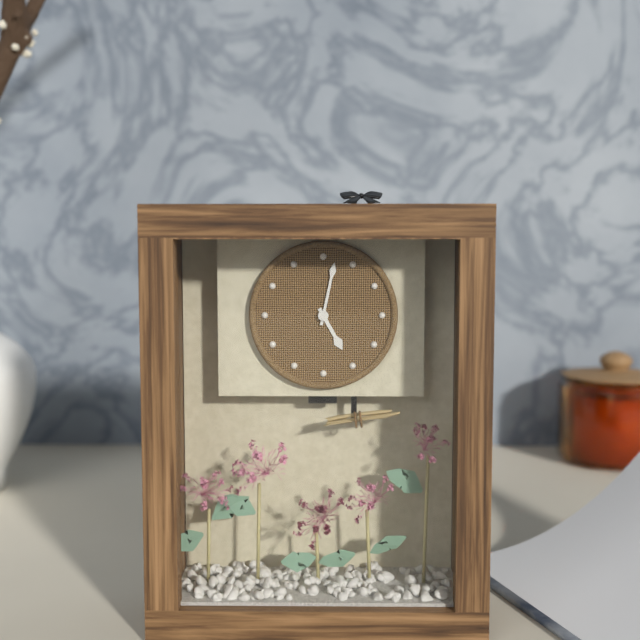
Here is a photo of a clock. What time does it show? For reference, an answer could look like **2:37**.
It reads **5:02**
